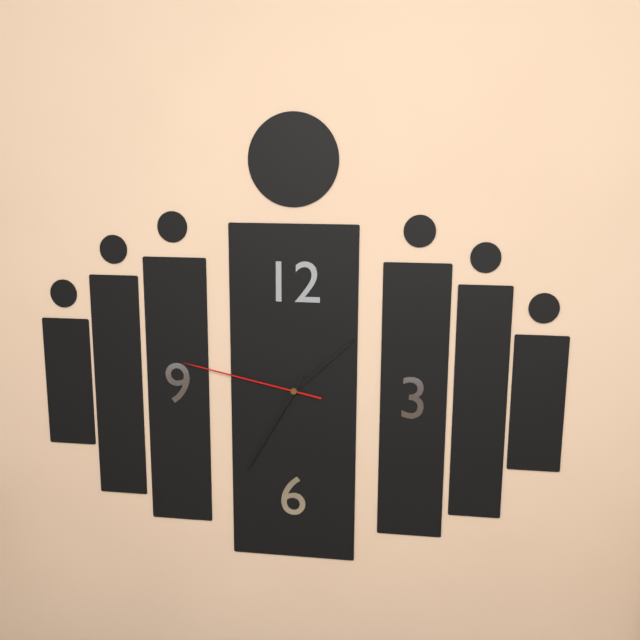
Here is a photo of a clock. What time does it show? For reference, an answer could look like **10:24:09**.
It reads **1:35:47**
